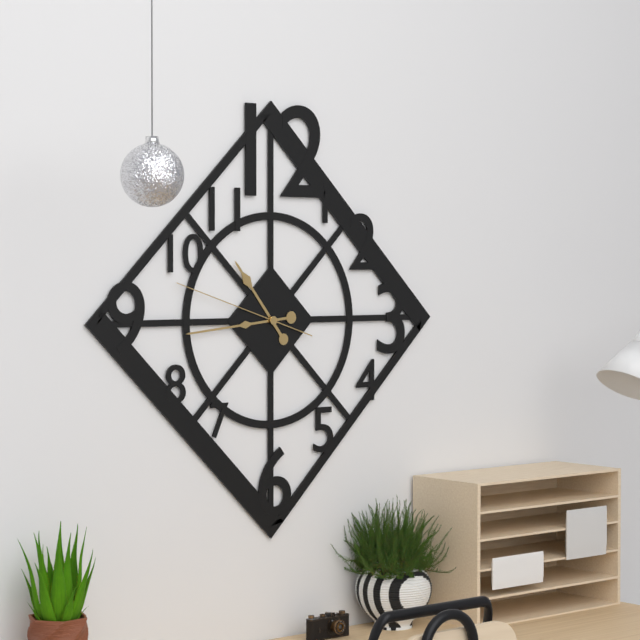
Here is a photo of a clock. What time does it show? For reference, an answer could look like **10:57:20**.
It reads **10:44:48**
